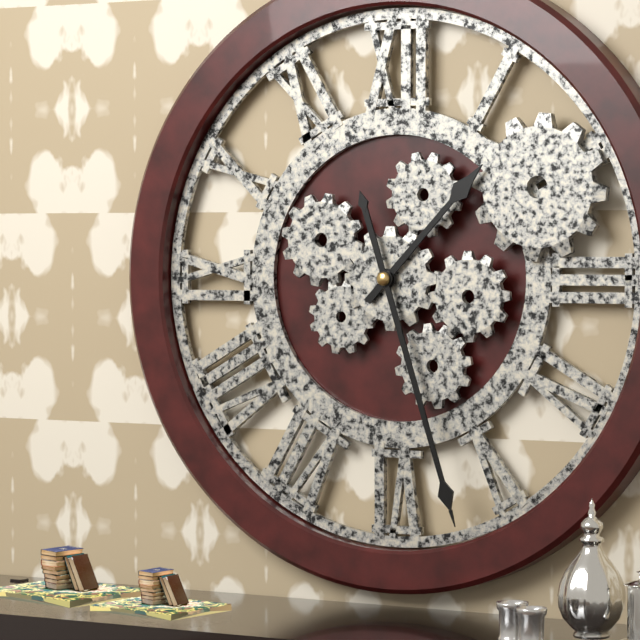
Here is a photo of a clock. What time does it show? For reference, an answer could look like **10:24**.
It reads **1:27**
